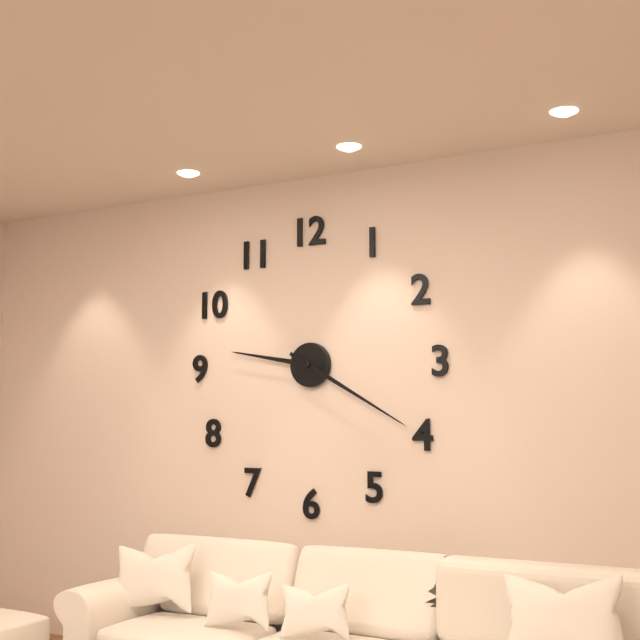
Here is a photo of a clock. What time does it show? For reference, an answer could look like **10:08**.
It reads **9:20**
